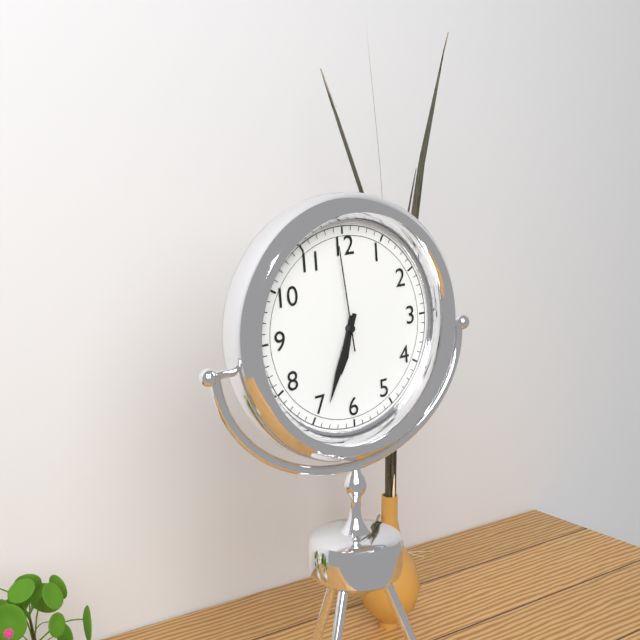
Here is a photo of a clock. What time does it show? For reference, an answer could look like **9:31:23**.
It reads **6:34:59**
